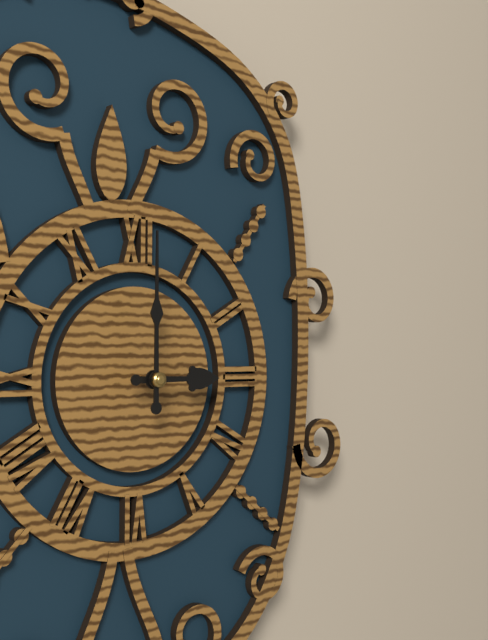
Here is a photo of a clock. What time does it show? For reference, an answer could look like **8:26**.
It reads **3:00**
